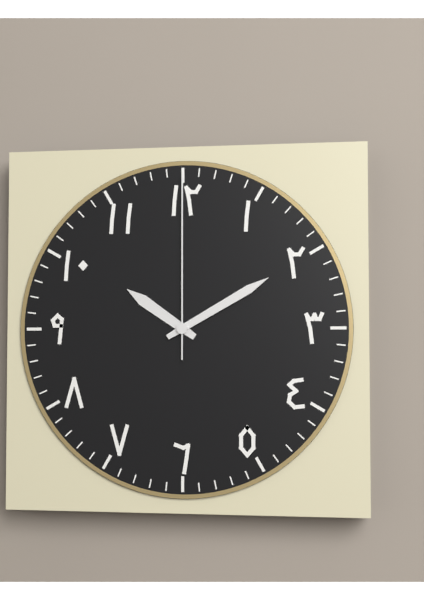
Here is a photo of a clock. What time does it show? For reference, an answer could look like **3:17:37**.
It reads **10:10:00**
